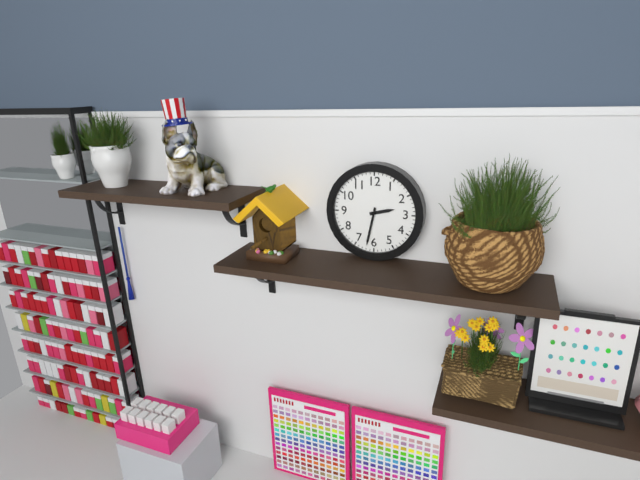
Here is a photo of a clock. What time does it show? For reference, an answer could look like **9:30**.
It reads **2:32**
